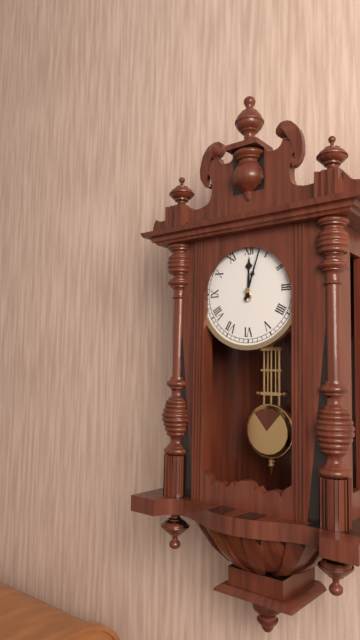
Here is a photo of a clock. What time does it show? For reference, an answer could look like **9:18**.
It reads **12:03**
